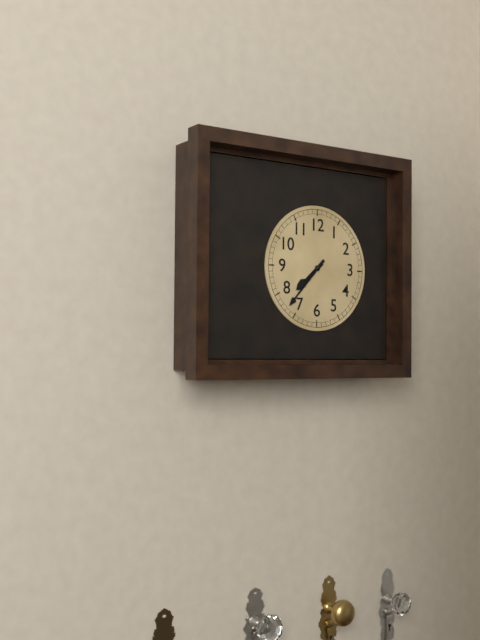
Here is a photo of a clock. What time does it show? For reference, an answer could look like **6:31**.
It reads **7:37**
